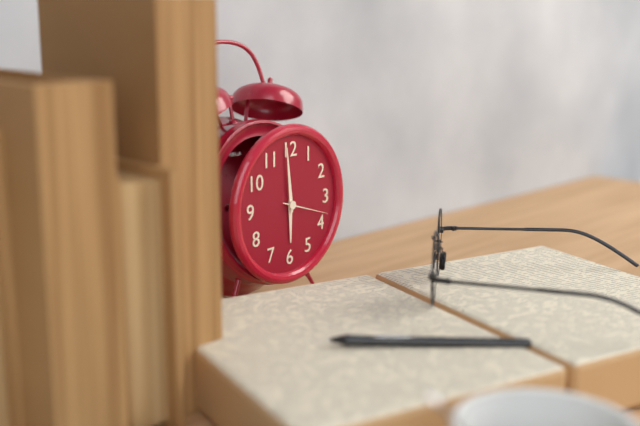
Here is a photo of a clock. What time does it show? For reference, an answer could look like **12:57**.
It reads **5:59**
